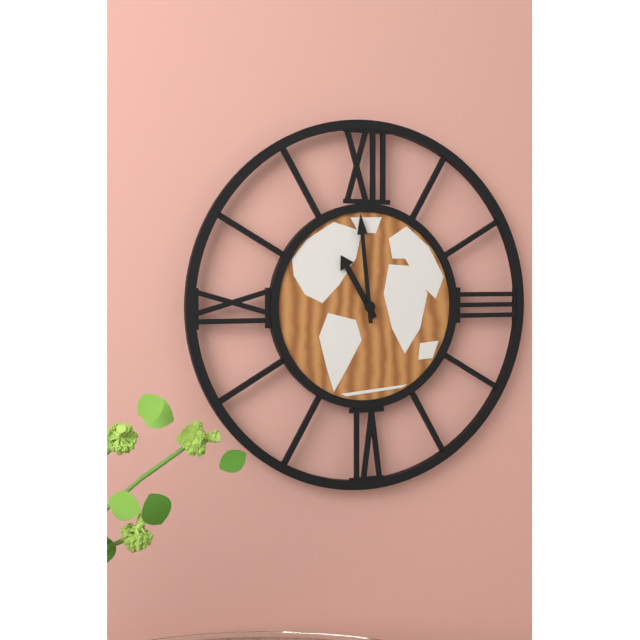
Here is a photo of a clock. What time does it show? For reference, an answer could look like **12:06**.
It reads **10:59**
